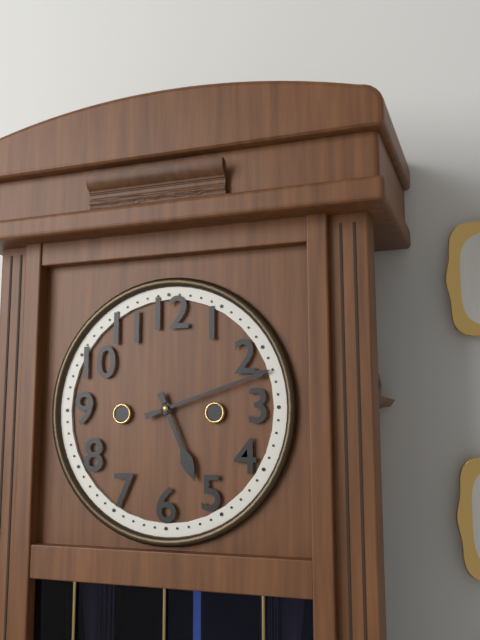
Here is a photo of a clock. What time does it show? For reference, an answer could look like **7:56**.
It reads **5:12**
